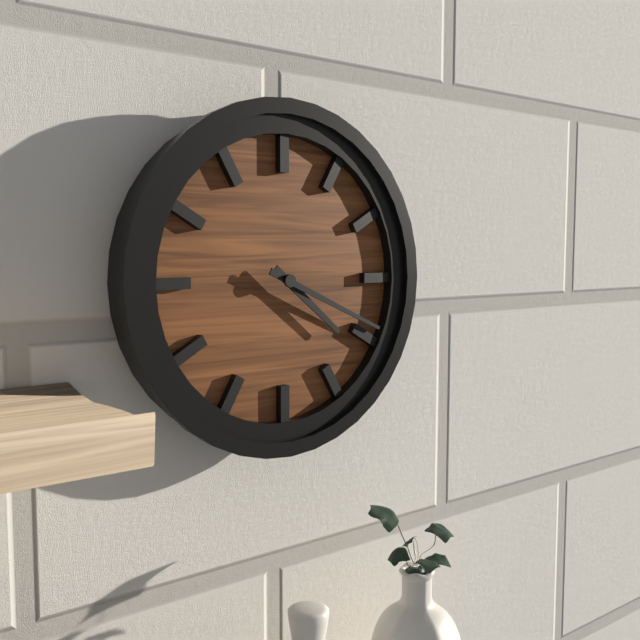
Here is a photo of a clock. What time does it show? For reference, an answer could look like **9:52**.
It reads **4:19**
